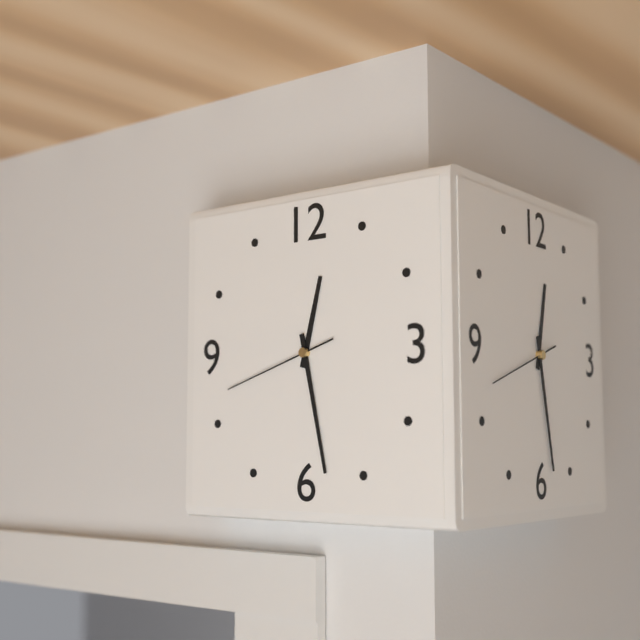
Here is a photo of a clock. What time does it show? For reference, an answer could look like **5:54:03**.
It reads **12:28:42**
